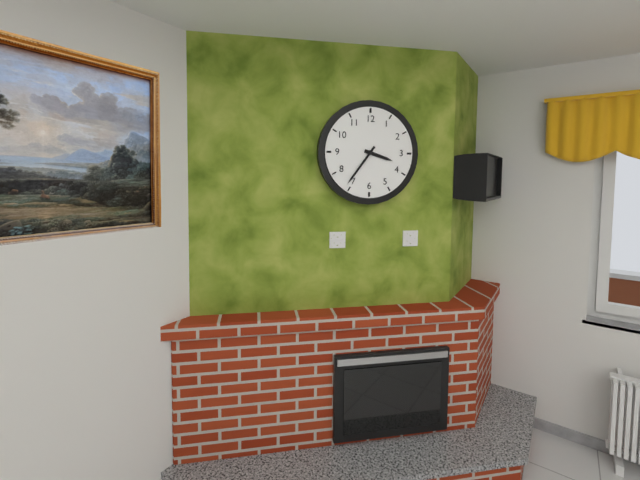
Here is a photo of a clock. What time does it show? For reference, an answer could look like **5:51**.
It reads **3:36**
